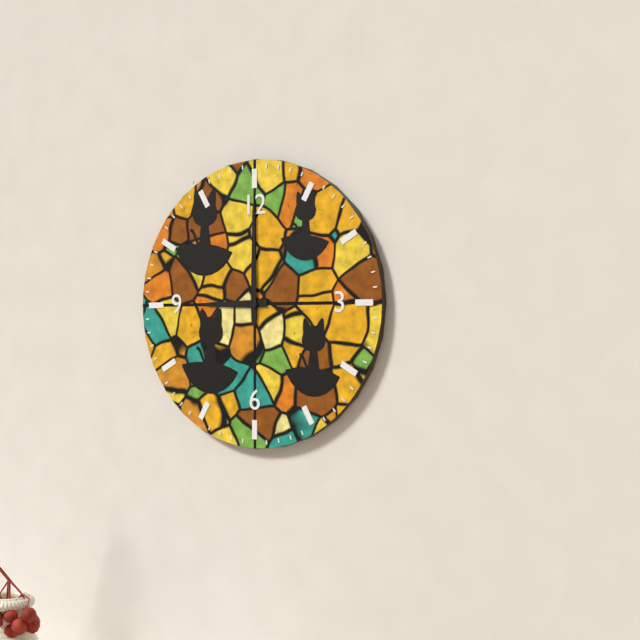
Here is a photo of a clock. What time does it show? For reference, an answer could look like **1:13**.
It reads **9:00**
